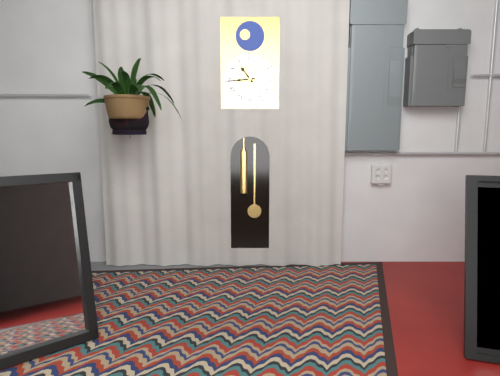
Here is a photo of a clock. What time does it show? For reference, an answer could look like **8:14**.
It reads **10:44**
